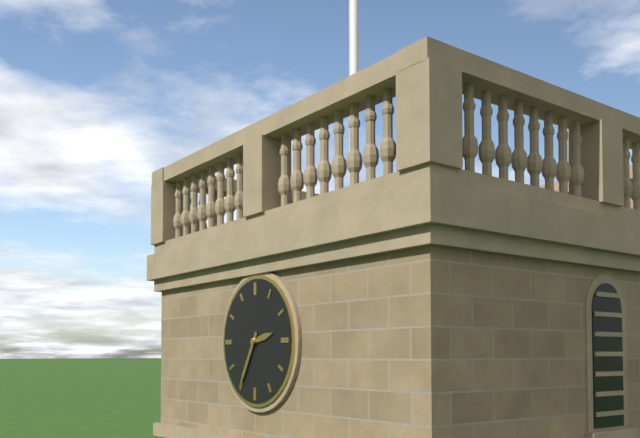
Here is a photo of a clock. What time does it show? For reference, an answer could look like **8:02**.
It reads **2:35**
